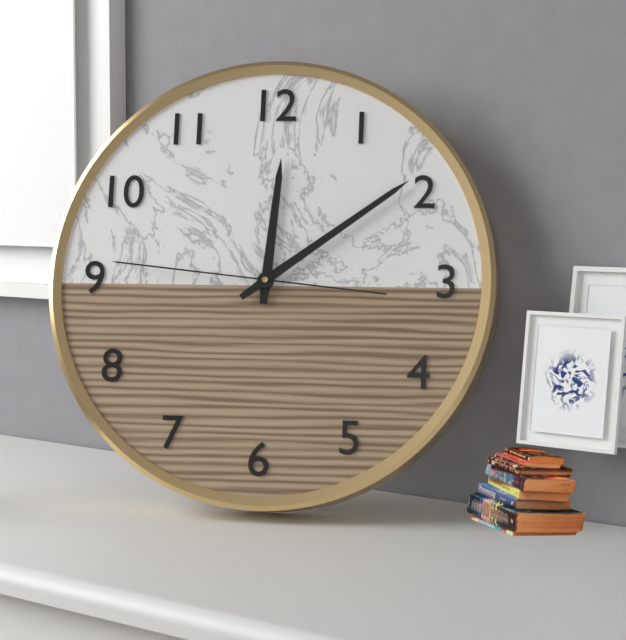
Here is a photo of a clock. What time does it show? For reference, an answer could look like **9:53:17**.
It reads **12:09:46**
